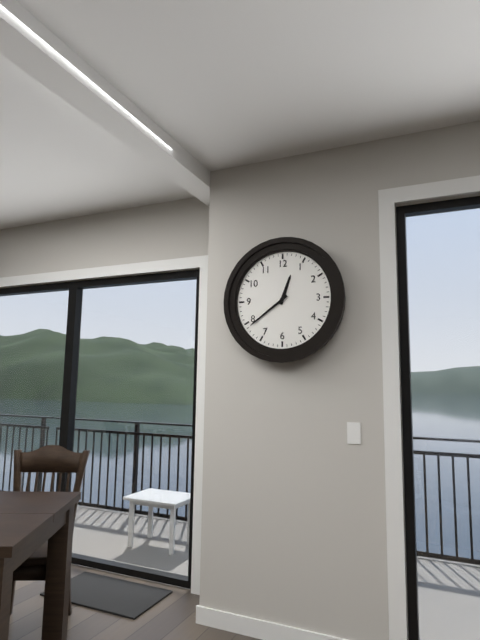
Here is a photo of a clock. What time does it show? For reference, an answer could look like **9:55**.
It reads **12:39**
